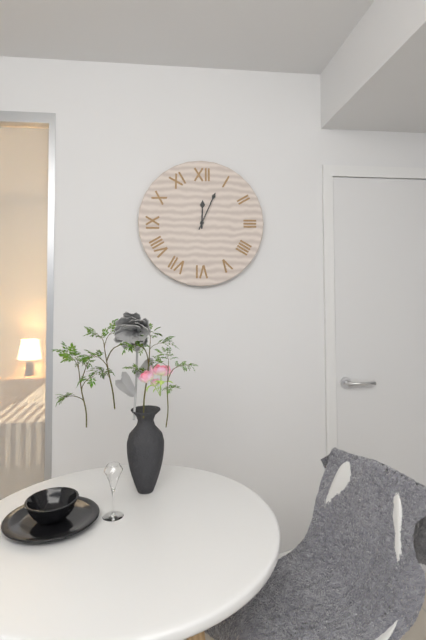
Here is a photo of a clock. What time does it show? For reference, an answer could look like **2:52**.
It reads **12:04**
